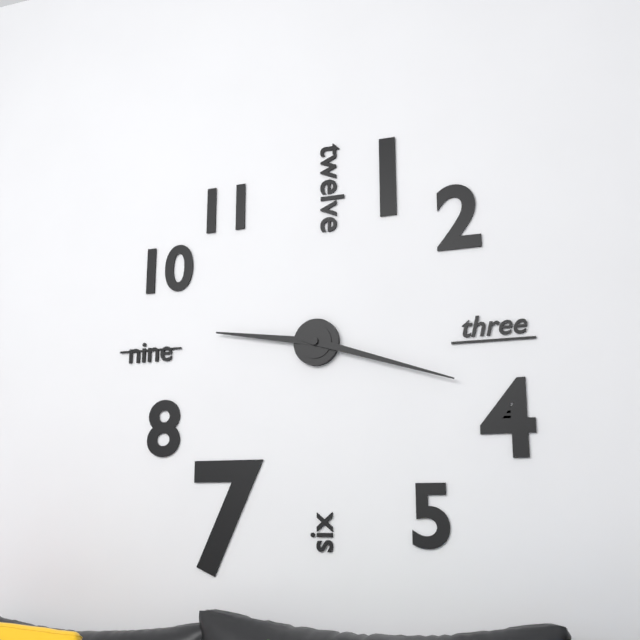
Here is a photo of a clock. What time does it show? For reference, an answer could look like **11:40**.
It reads **9:18**
